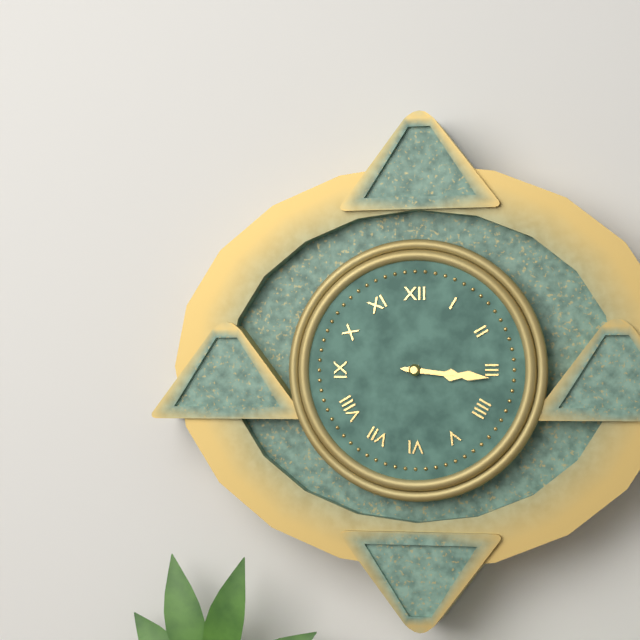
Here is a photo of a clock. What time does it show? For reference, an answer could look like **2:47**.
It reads **3:16**
